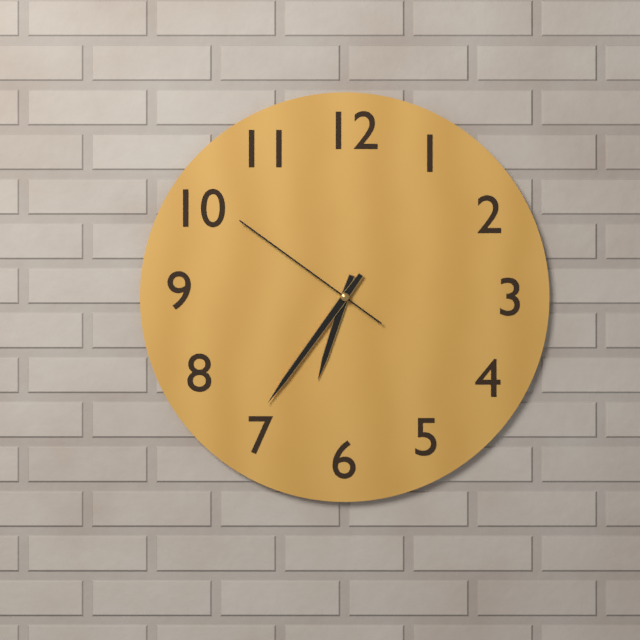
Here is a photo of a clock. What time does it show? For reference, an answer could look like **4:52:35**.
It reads **6:36:51**
